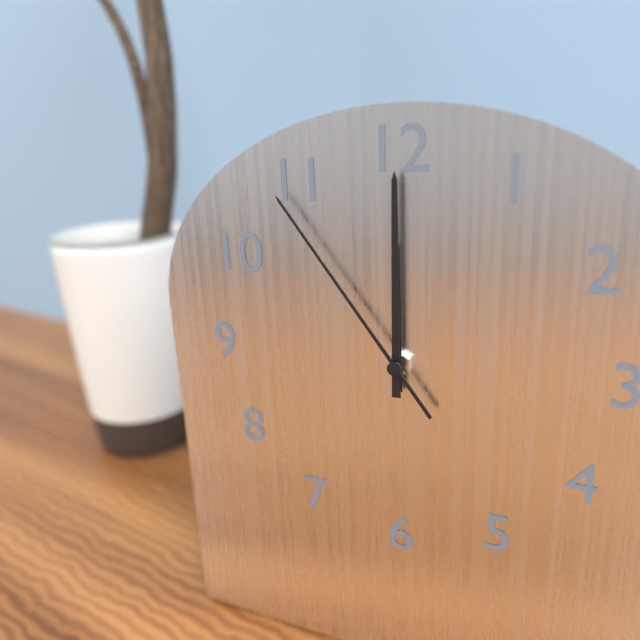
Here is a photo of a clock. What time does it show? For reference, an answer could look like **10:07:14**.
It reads **12:00:54**
